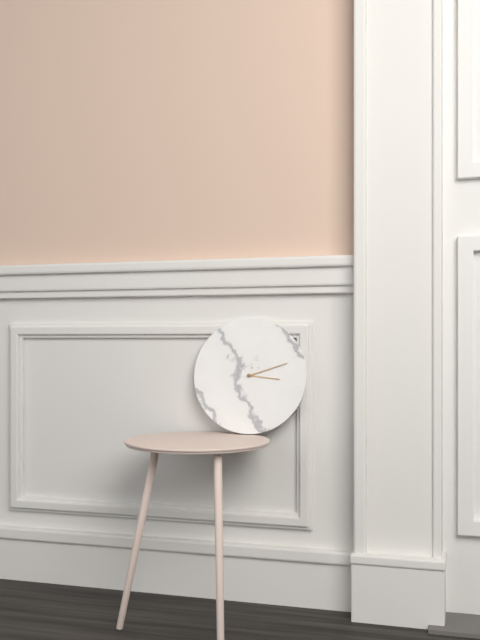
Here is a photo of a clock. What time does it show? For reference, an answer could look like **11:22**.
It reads **3:12**
